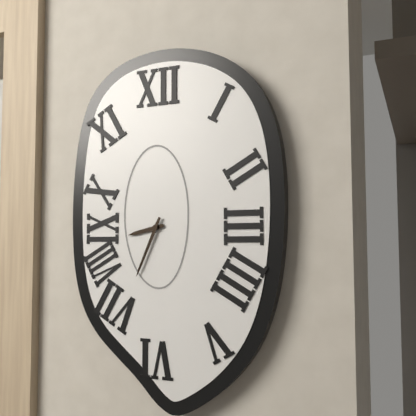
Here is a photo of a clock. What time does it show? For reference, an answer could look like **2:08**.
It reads **8:34**
